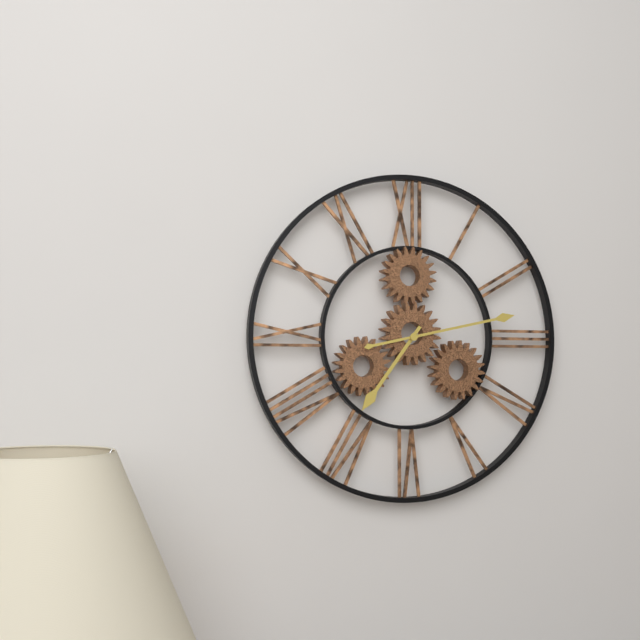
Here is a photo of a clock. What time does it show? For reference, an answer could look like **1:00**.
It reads **7:13**
